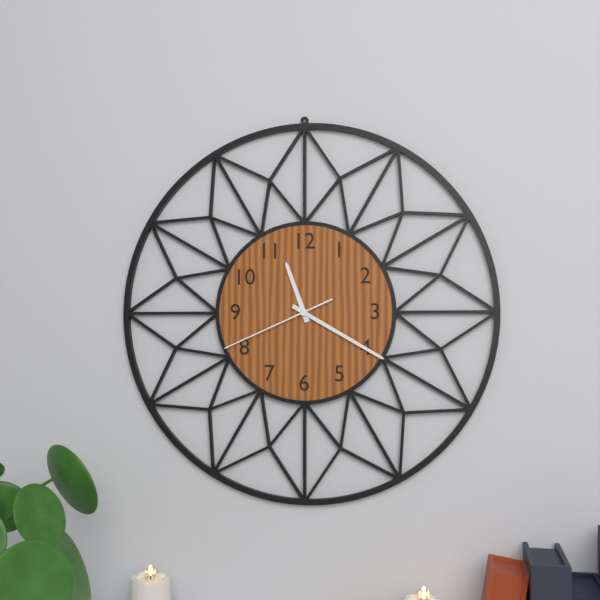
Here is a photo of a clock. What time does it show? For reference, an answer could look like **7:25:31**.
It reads **11:20:41**
